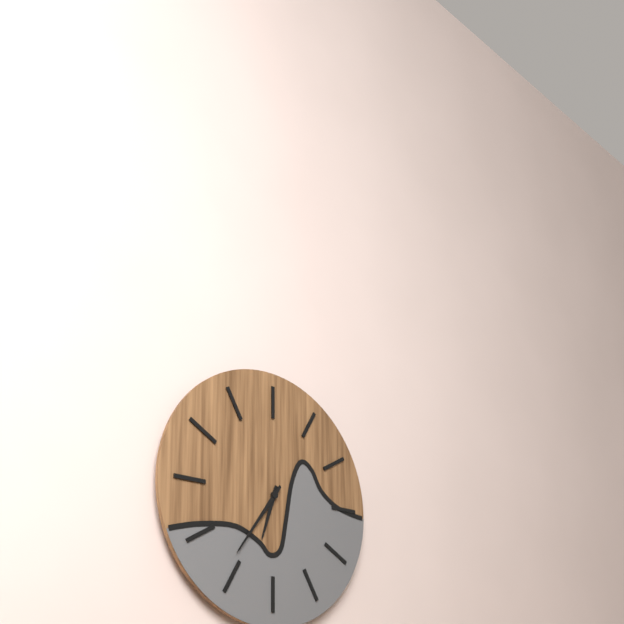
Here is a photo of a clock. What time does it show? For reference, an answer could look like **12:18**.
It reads **6:36**
